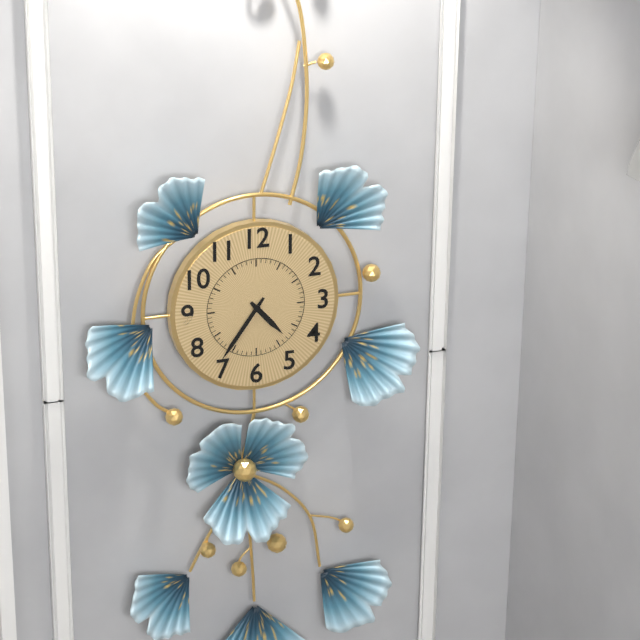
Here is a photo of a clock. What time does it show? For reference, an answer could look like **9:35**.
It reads **4:36**
